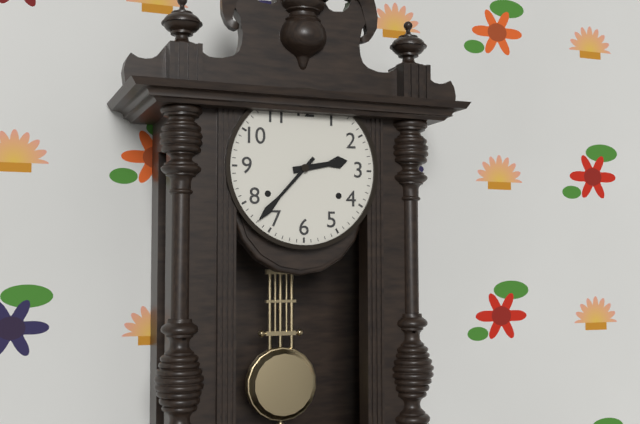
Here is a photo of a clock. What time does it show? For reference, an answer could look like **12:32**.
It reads **2:37**
